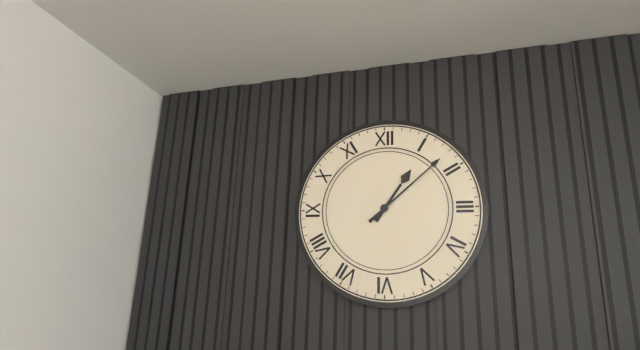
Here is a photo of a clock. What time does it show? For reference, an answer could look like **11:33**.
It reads **1:08**
